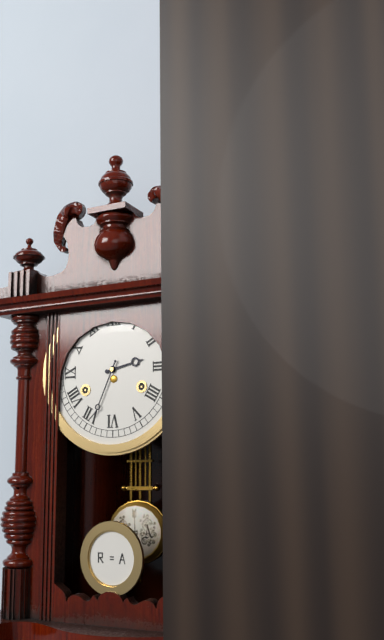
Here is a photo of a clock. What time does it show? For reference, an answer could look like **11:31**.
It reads **2:34**
